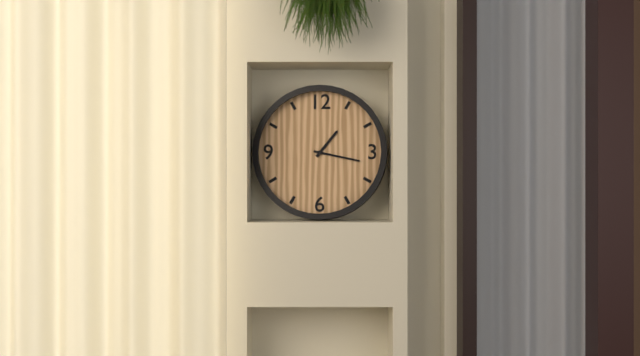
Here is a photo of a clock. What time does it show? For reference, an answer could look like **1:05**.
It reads **1:17**
